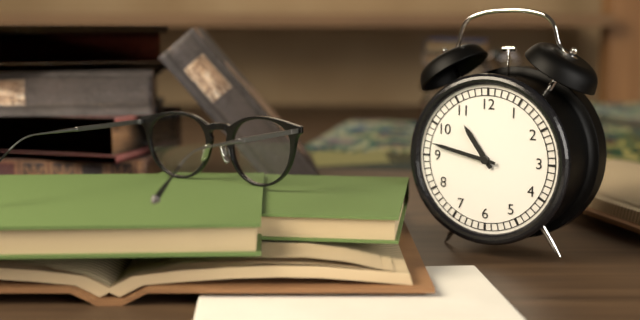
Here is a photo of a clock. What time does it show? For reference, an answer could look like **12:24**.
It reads **10:47**
